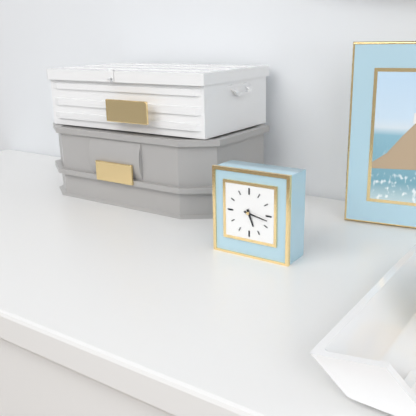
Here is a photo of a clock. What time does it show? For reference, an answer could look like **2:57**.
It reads **5:17**
